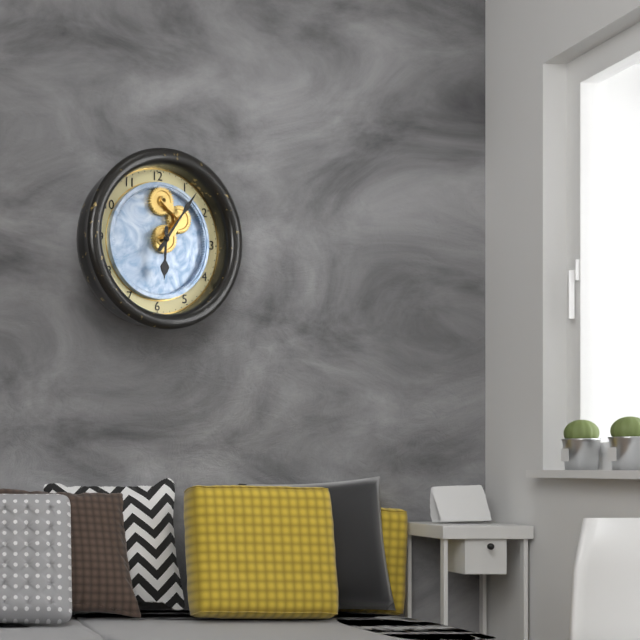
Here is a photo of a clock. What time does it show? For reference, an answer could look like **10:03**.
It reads **6:06**
